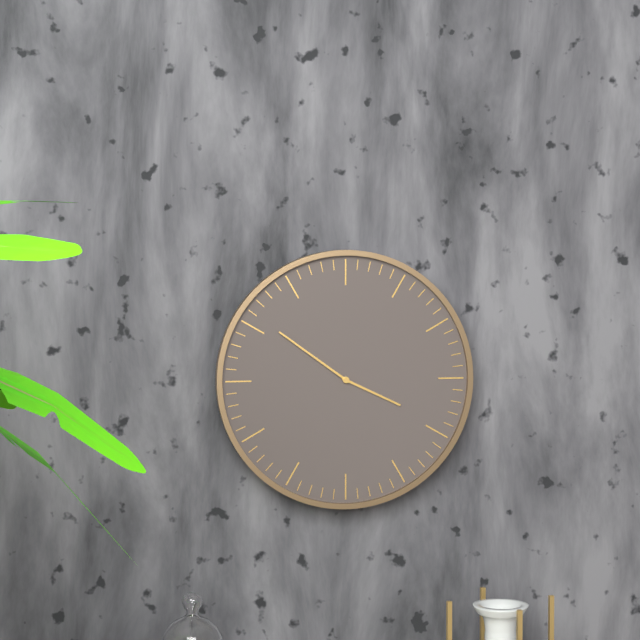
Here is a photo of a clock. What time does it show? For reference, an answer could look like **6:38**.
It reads **3:51**
